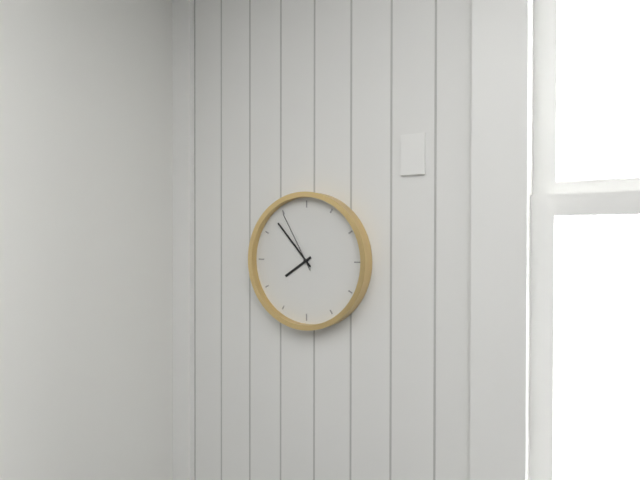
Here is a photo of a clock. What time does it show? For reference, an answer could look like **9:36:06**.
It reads **7:53:55**
